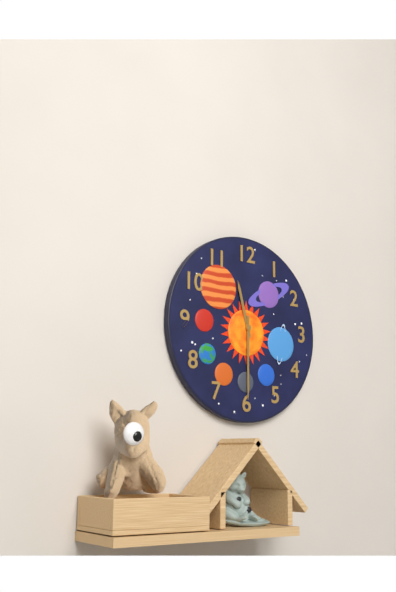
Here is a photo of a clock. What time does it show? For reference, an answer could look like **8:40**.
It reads **11:30**
